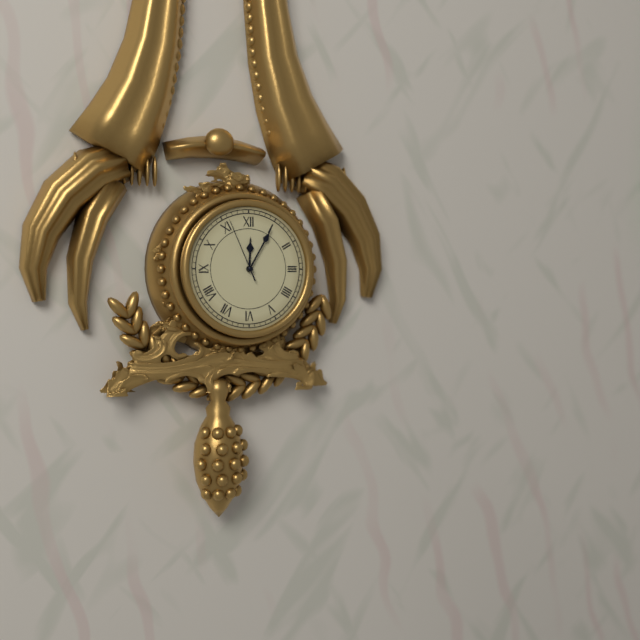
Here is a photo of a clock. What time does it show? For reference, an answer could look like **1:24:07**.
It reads **12:05:56**
